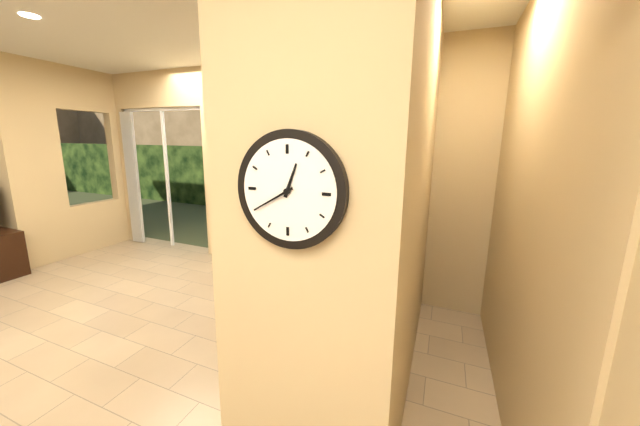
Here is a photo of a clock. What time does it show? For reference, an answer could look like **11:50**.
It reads **12:40**
